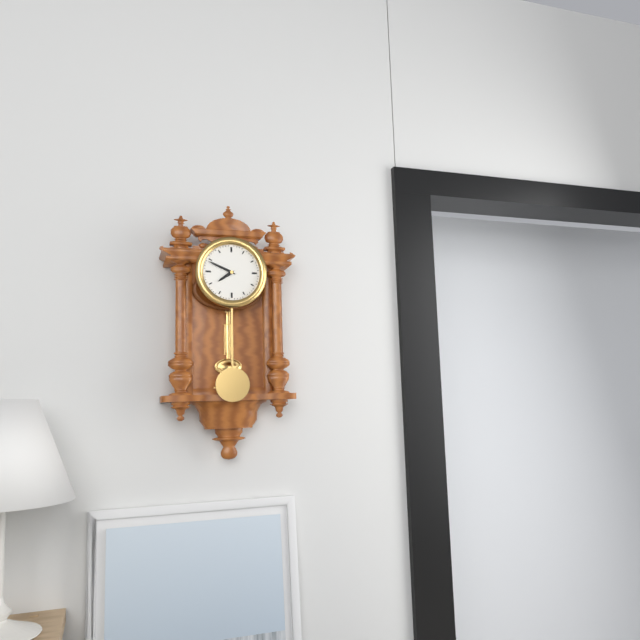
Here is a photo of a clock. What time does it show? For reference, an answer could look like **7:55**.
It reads **7:49**
